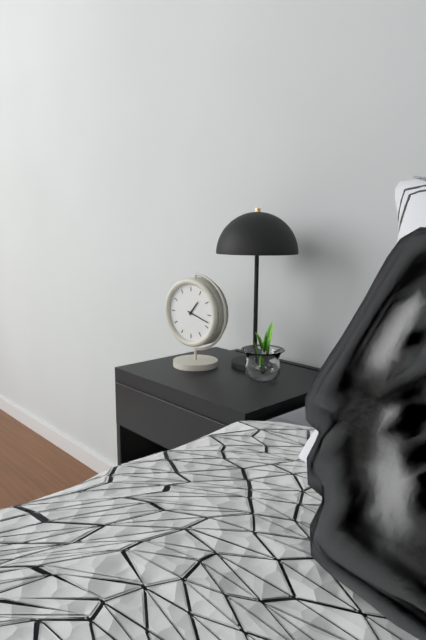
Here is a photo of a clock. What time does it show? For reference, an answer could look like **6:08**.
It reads **1:18**
